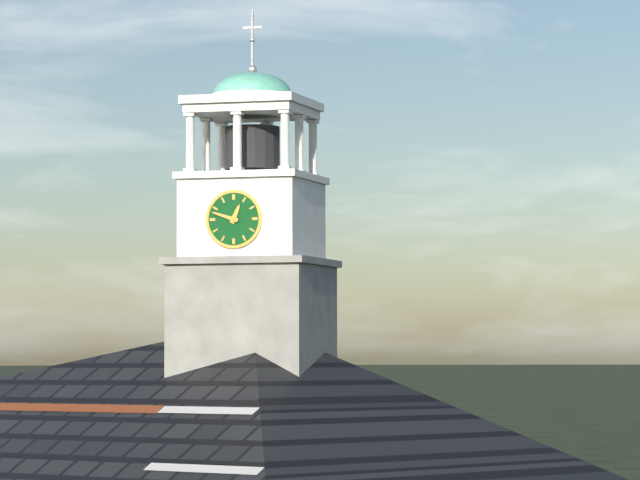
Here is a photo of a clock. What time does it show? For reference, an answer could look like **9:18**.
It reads **12:48**
